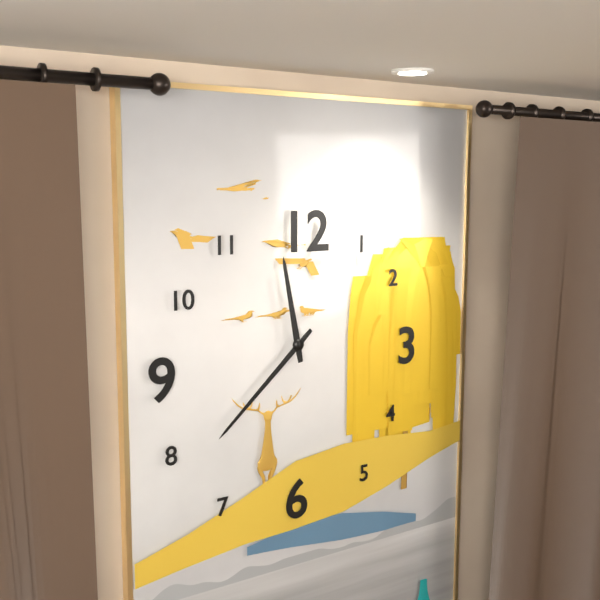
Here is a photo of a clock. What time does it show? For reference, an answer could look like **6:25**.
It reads **11:38**
